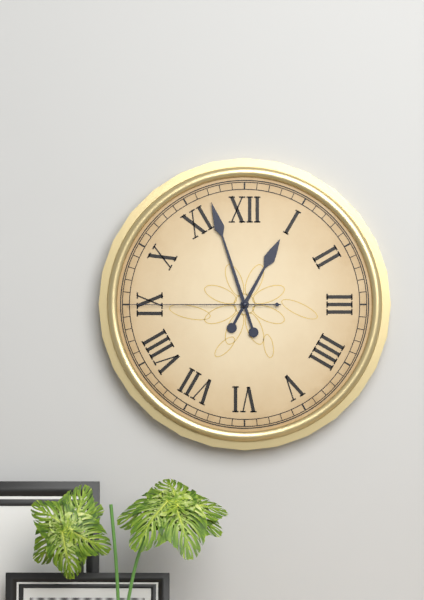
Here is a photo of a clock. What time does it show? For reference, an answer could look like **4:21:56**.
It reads **12:57:45**
